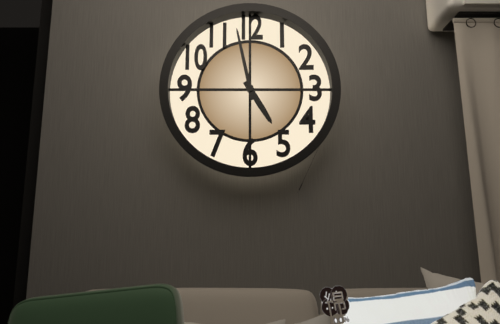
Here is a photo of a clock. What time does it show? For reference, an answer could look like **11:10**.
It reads **4:58**
